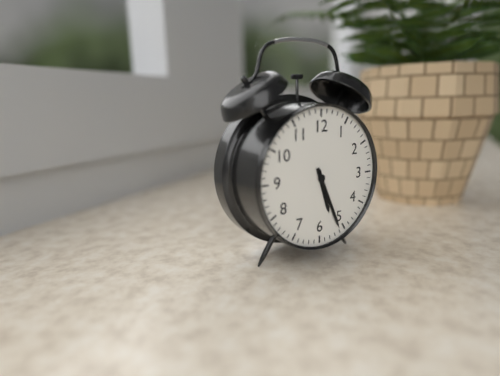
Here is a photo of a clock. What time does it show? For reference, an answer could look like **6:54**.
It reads **5:26**
